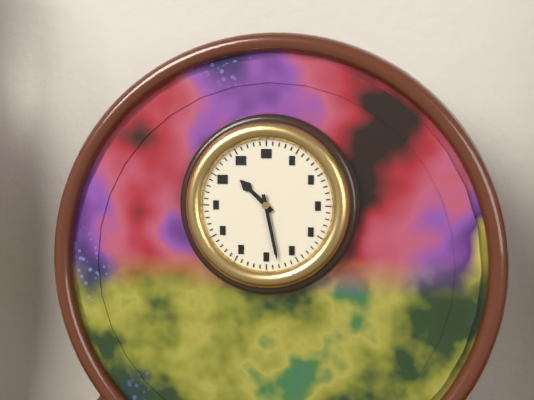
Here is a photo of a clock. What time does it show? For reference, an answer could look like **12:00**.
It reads **10:28**
